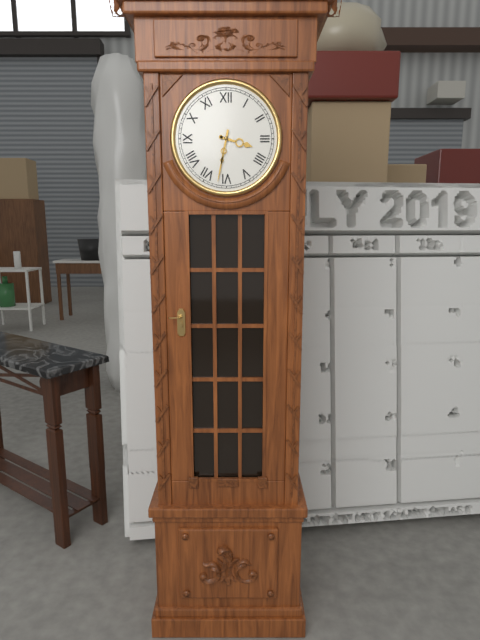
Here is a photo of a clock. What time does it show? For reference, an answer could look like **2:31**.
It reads **3:32**
